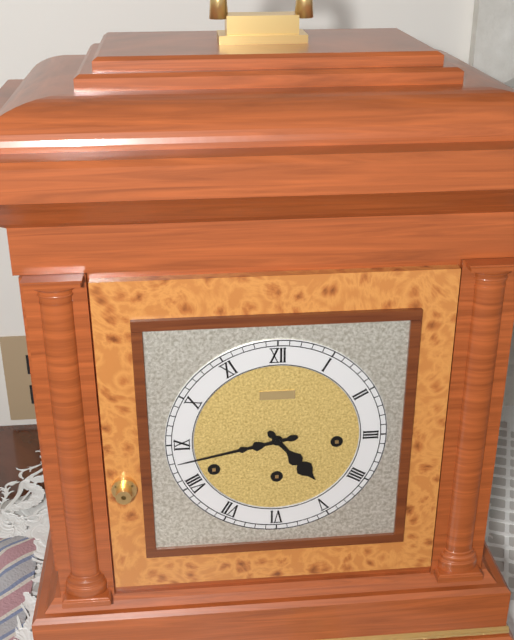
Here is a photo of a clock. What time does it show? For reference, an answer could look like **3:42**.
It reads **4:43**
